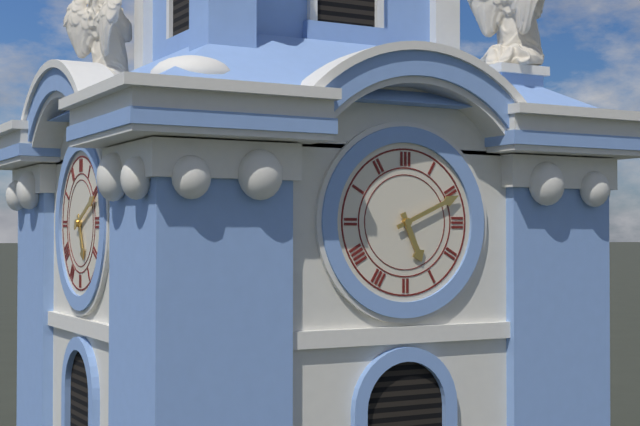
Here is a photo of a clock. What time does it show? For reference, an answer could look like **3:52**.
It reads **5:11**
